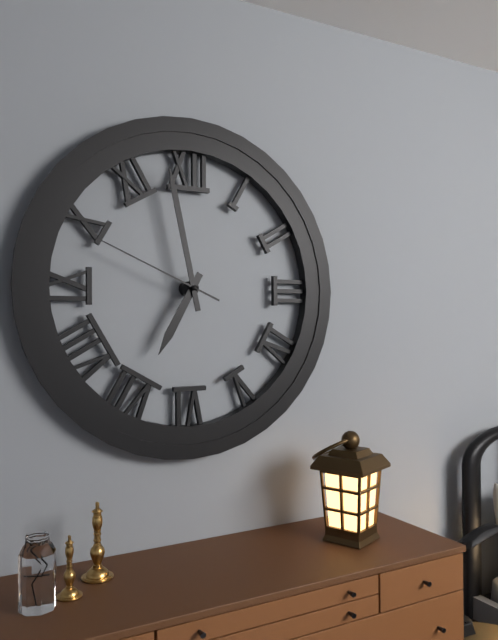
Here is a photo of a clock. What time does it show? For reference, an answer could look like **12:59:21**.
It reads **6:58:49**
